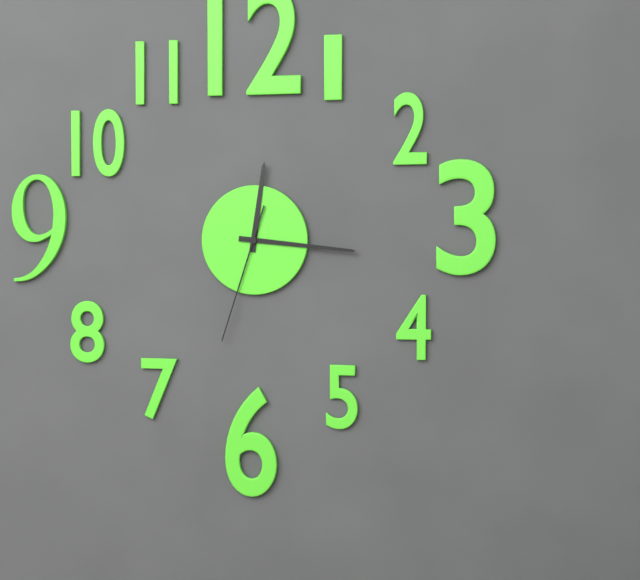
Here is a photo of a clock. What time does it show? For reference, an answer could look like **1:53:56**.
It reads **12:16:33**
